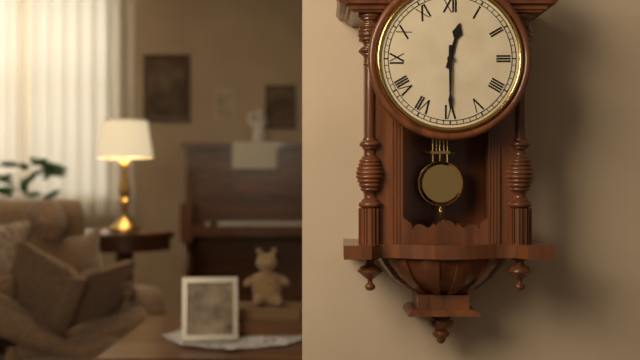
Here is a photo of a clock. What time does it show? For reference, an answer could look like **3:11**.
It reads **12:30**
